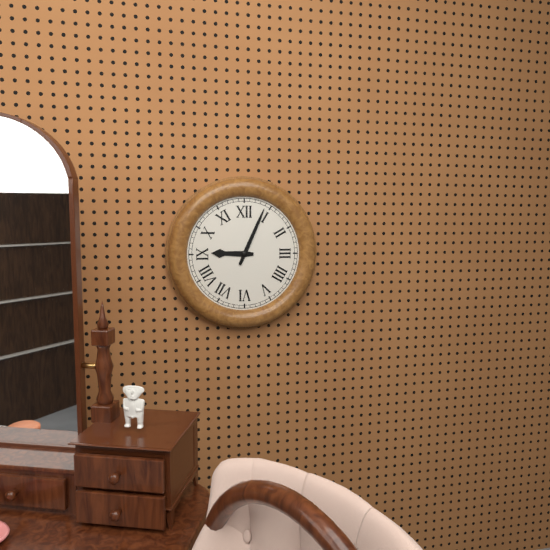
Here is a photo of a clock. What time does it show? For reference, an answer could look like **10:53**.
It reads **9:04**
